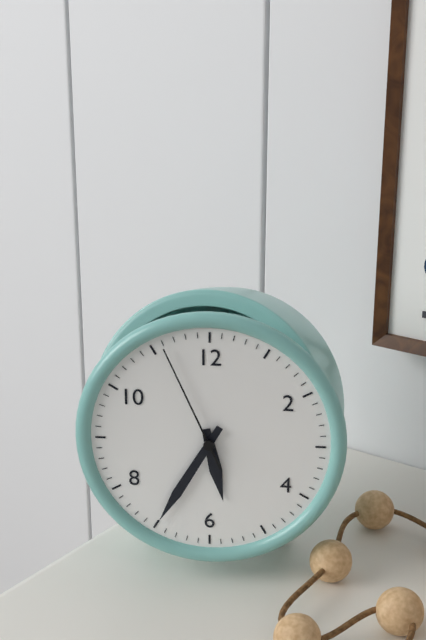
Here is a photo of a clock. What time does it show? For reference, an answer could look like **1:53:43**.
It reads **5:35:56**
